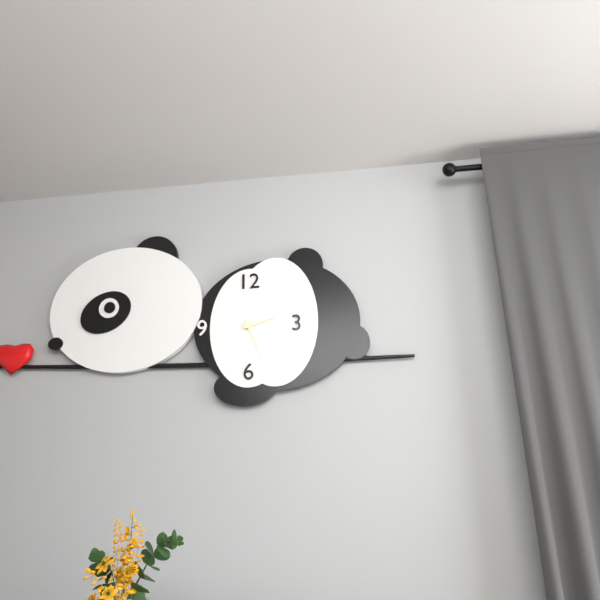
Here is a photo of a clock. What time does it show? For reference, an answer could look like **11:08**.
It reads **2:26**
